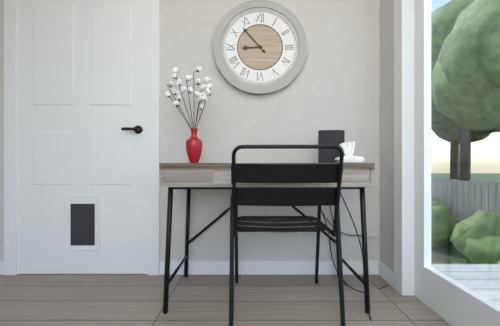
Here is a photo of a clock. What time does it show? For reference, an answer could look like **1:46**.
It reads **8:53**
